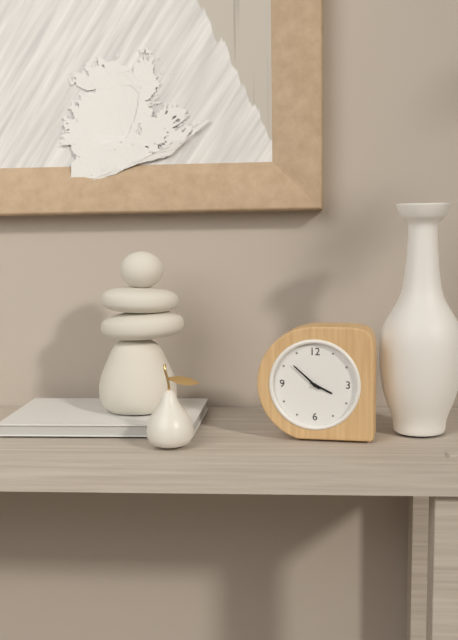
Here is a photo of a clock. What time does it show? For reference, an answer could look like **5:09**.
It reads **3:52**
